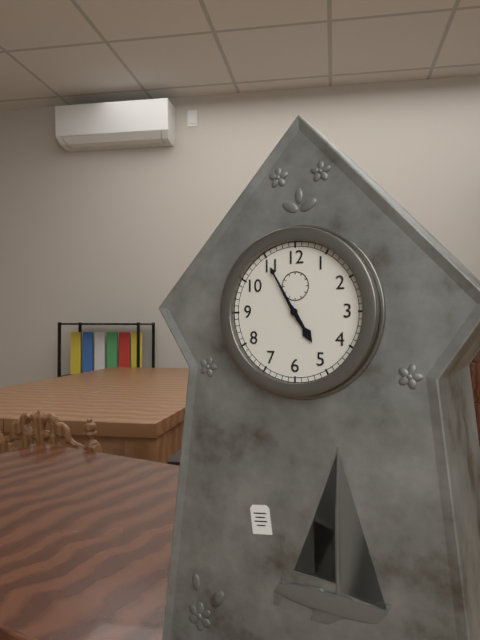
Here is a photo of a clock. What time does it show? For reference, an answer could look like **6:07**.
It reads **4:55**
